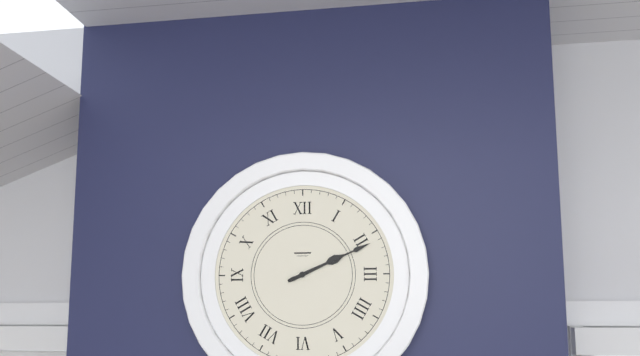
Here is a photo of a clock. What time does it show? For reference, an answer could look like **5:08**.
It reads **2:11**
